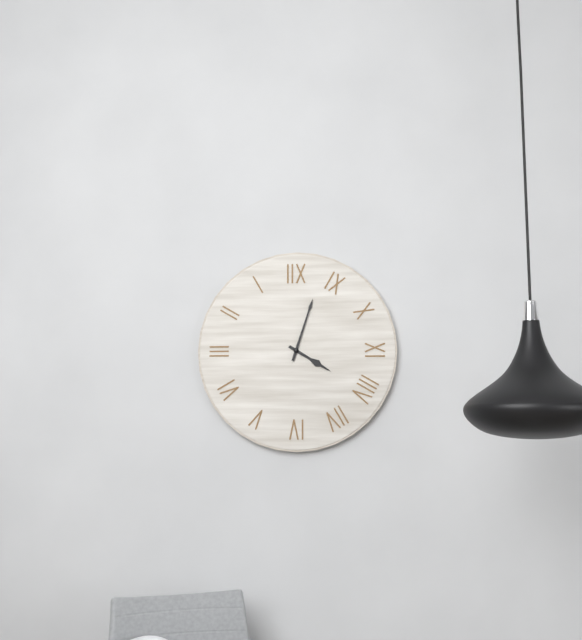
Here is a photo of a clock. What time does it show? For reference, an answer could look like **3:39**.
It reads **4:03**
